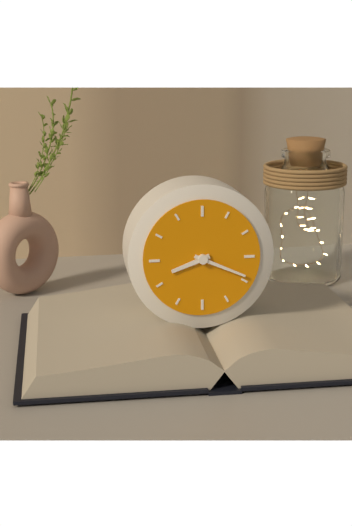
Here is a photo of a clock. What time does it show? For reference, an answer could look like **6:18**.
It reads **8:19**
